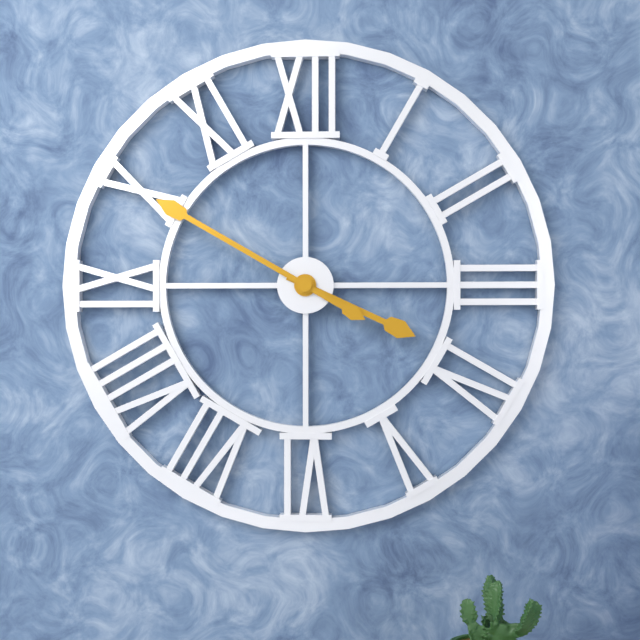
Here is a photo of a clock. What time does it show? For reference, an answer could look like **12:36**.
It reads **3:50**
